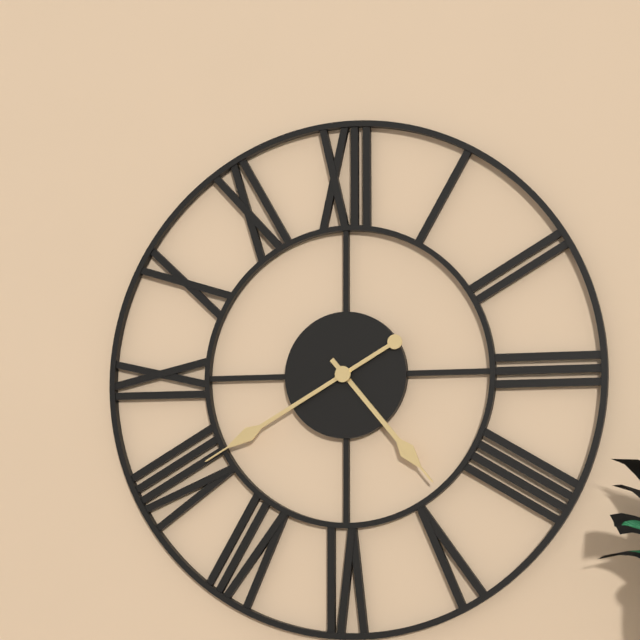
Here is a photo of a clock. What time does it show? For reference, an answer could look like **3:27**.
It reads **4:40**
